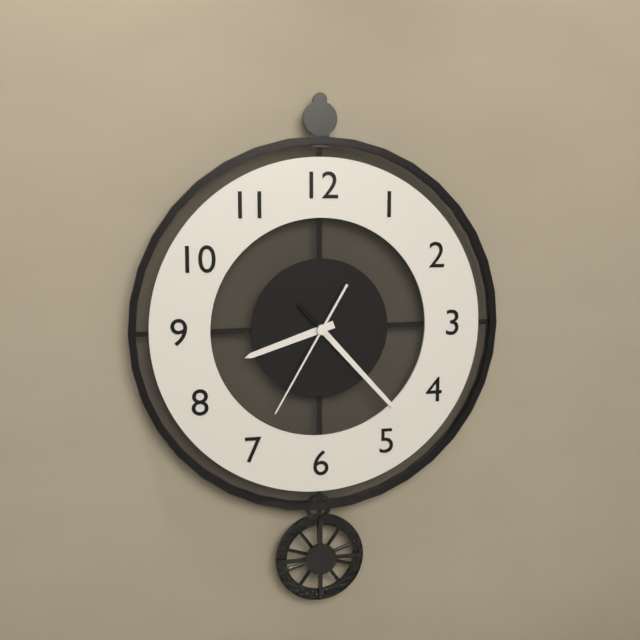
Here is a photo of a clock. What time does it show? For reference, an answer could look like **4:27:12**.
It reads **8:23:35**
